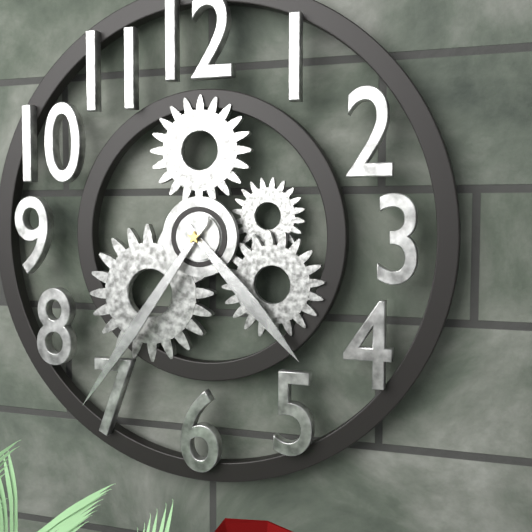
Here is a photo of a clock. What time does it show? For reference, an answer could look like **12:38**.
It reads **4:36**
